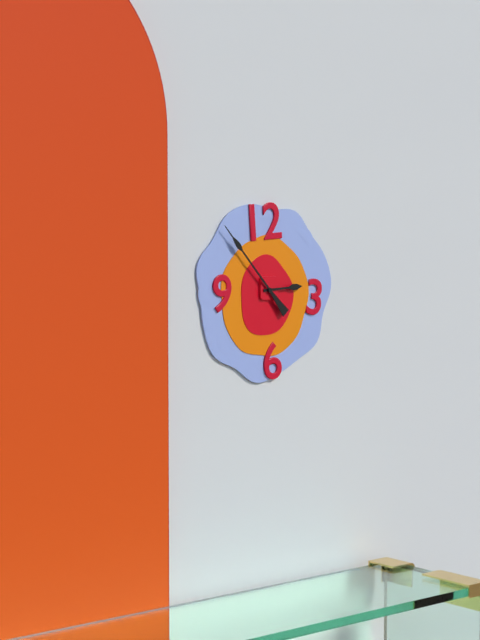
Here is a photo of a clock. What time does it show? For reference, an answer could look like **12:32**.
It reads **2:53**
